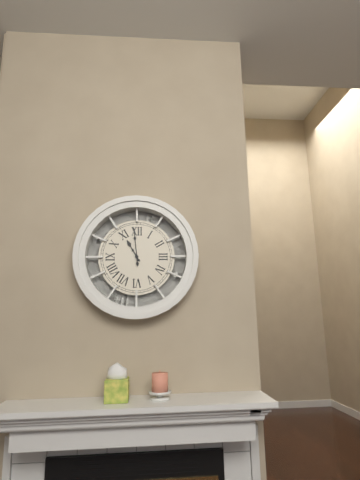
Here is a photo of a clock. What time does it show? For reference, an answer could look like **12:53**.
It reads **10:59**
